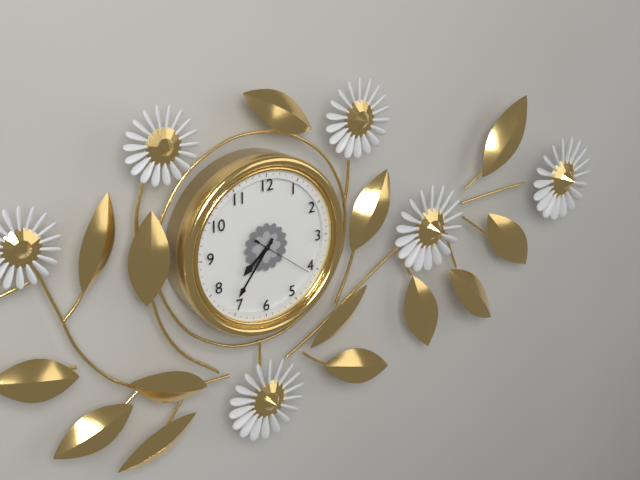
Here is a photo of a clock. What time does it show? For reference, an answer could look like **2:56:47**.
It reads **7:36:21**
